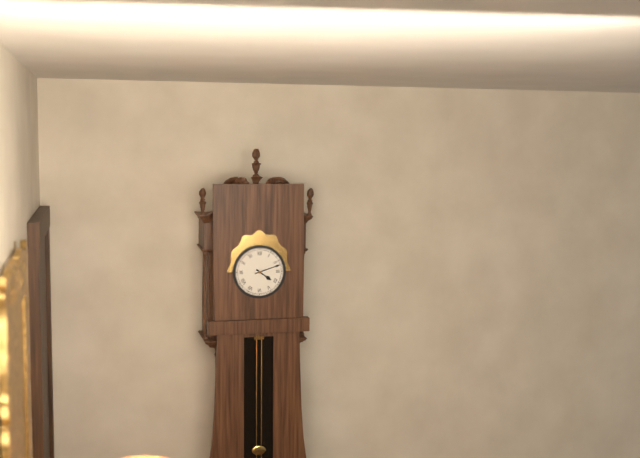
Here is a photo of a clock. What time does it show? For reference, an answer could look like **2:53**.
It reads **4:12**
